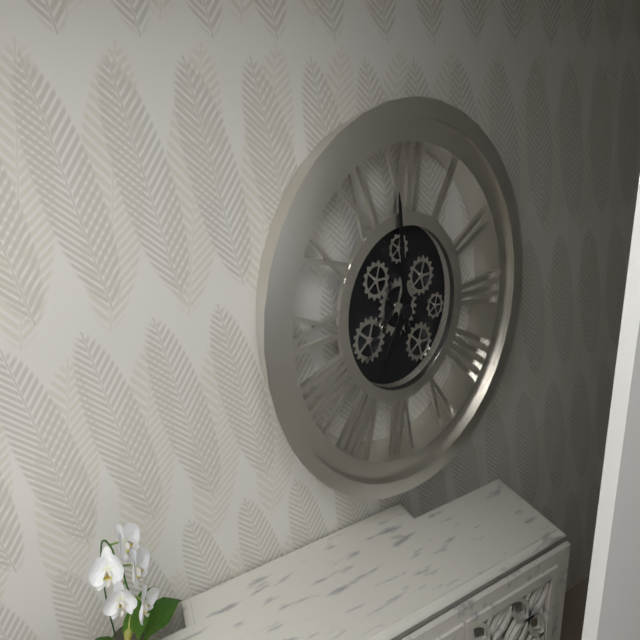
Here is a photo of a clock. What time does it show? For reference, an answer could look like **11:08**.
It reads **6:59**
